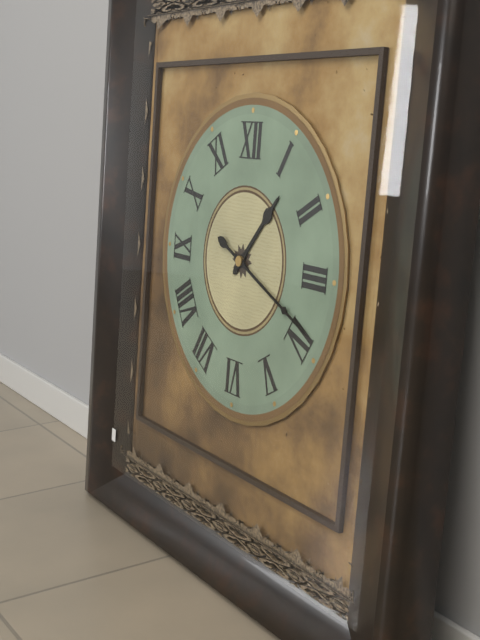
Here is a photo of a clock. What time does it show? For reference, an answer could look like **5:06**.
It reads **1:19**
